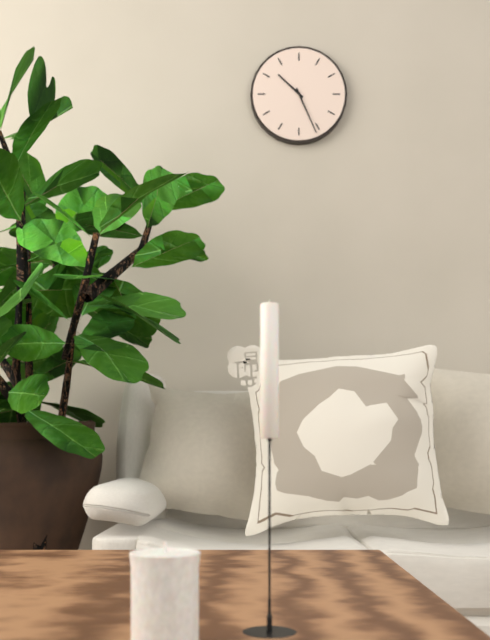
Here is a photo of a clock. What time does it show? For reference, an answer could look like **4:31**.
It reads **10:26**
